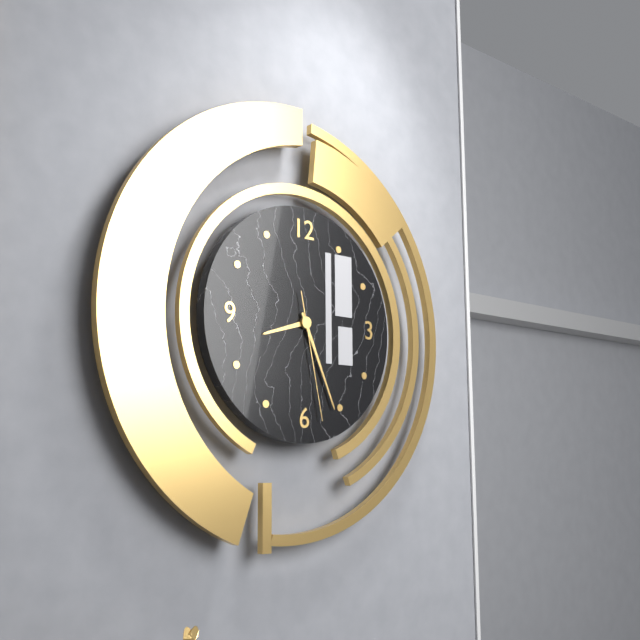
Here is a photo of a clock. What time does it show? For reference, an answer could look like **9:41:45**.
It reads **8:26:28**
